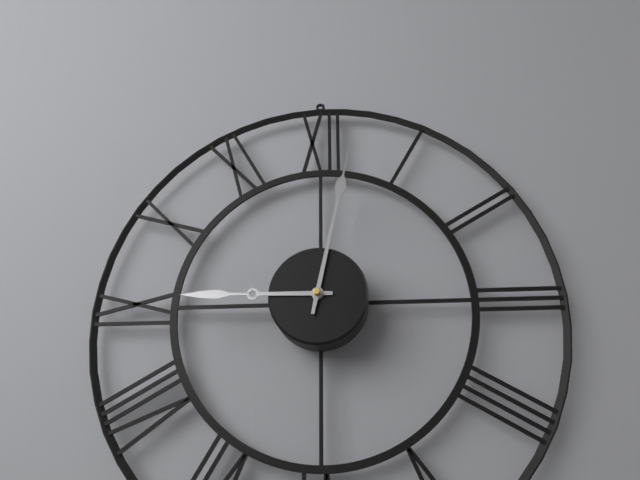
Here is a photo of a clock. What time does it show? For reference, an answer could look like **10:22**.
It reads **9:02**
